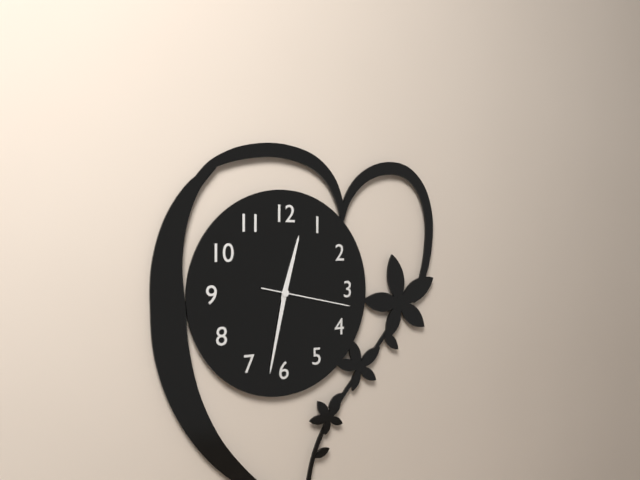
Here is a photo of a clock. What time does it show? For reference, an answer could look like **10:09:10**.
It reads **12:32:17**
